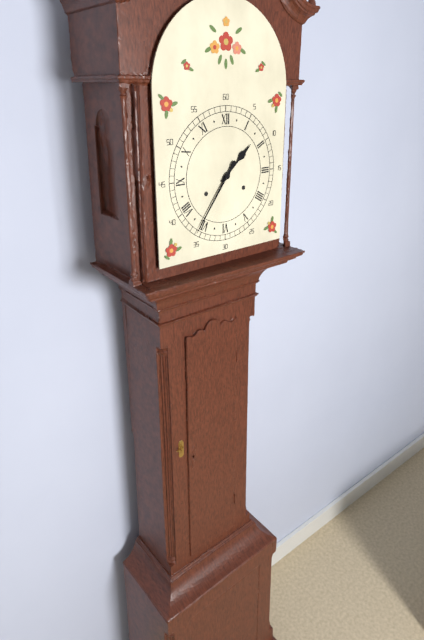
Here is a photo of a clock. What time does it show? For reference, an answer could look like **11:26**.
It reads **1:36**
